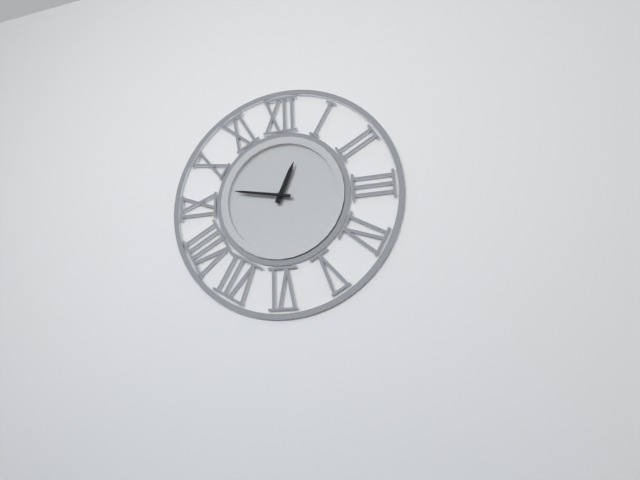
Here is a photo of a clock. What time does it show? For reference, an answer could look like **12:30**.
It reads **12:47**
